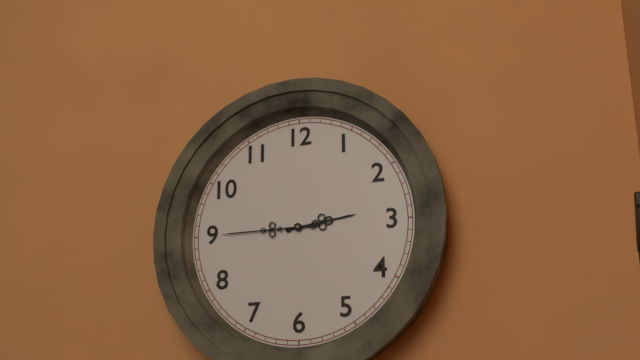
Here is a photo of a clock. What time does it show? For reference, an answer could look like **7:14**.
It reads **2:45**
